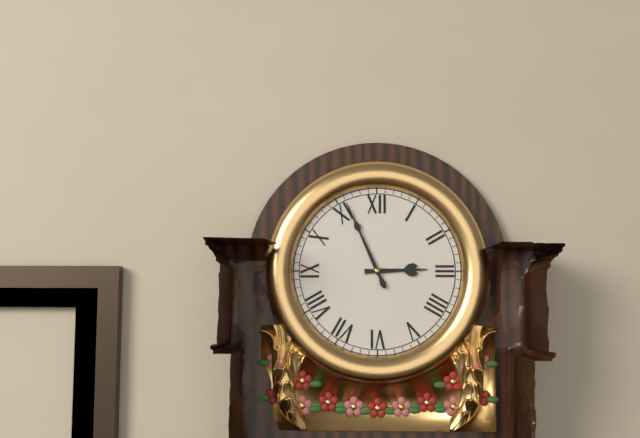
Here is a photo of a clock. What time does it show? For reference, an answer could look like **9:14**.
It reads **2:56**
